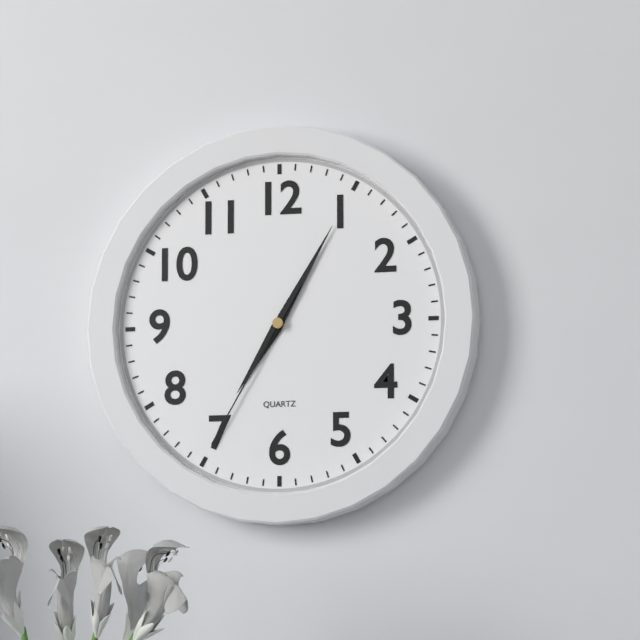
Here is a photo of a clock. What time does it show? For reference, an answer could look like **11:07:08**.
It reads **7:05:35**
